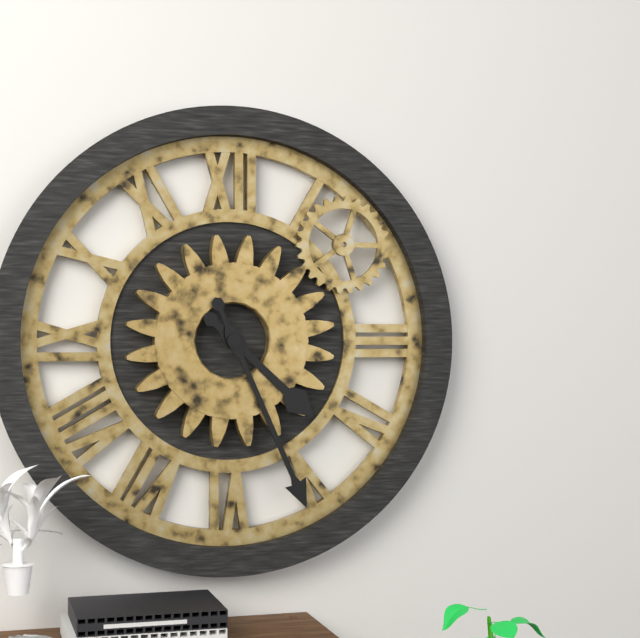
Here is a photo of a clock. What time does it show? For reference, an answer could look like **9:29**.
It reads **4:26**
